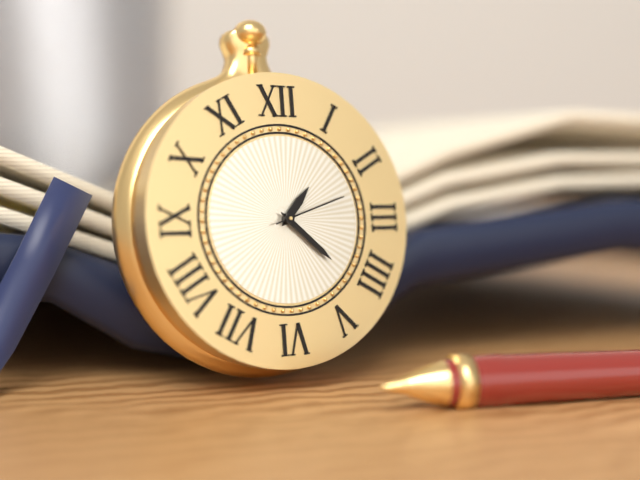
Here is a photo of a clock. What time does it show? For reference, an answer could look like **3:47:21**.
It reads **1:22:12**
